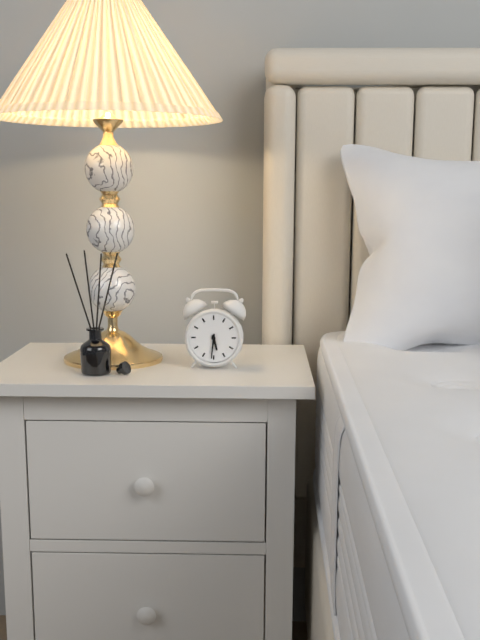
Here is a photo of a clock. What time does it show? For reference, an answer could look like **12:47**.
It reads **5:31**
